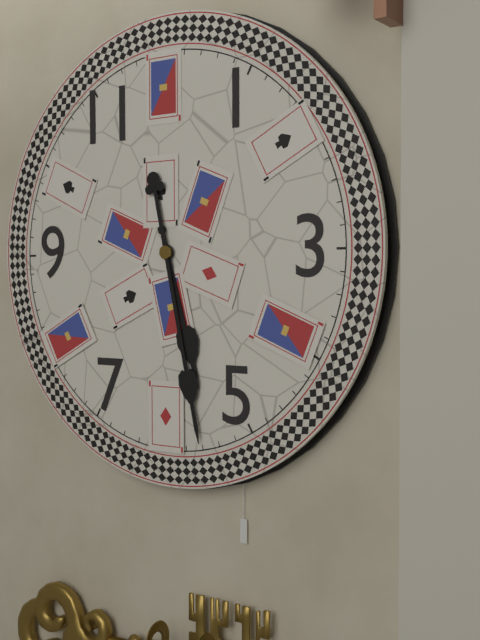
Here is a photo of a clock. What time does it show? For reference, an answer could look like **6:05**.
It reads **5:28**
